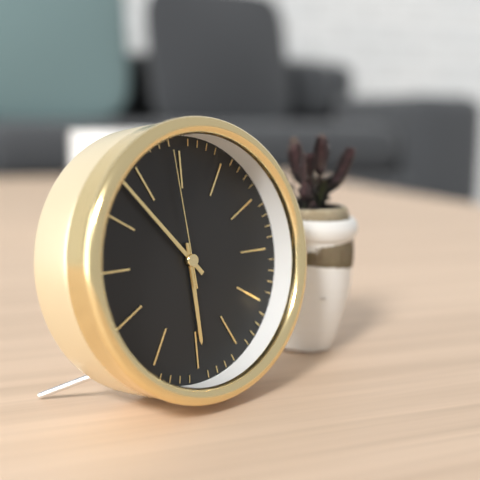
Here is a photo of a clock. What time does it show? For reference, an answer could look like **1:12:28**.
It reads **5:53:59**
